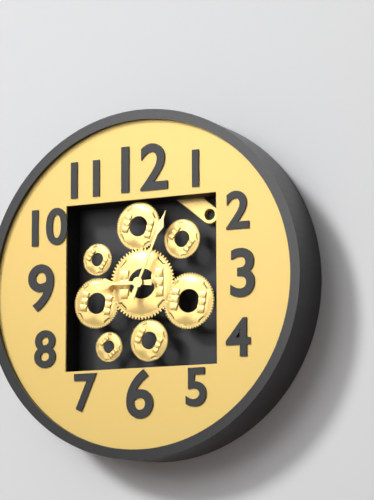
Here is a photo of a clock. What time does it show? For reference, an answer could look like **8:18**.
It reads **9:04**
